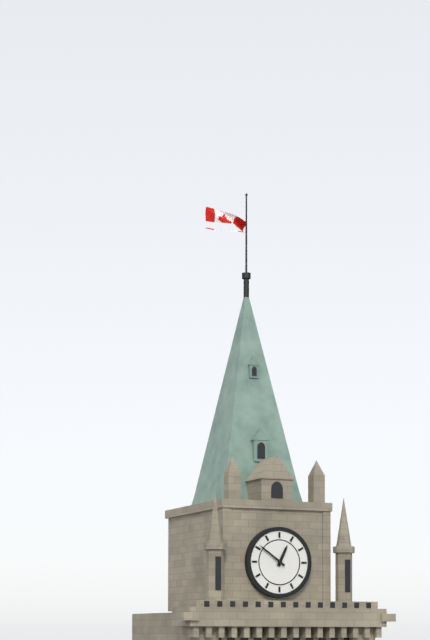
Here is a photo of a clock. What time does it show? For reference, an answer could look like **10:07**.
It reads **12:51**
